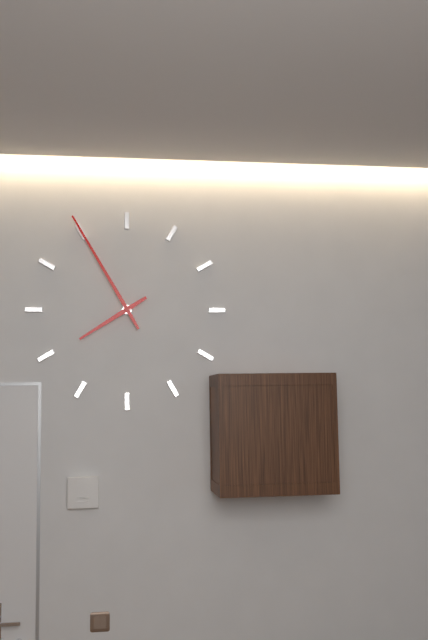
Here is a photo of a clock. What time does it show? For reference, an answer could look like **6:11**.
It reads **7:55**
